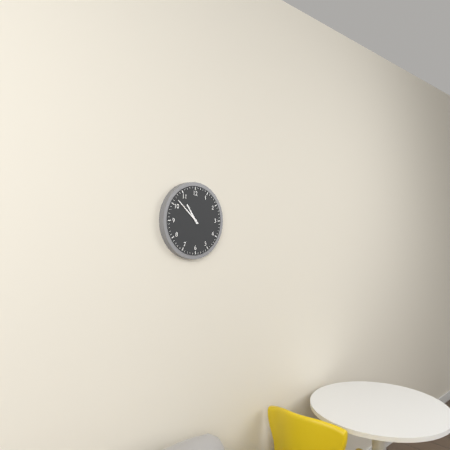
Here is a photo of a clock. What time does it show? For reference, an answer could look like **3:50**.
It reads **10:52**
